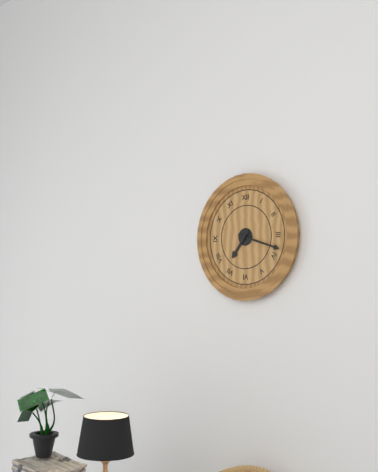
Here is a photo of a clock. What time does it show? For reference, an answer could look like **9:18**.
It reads **7:18**
